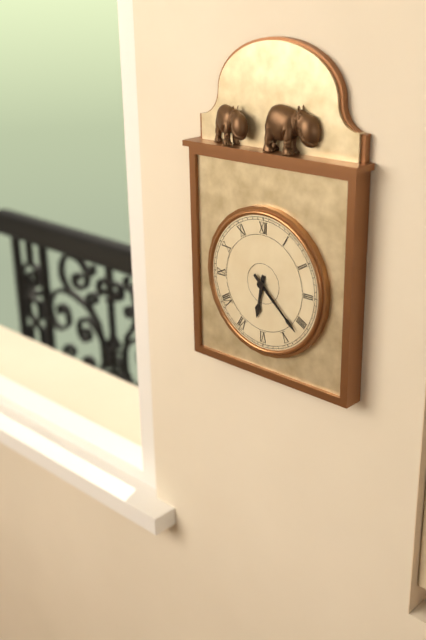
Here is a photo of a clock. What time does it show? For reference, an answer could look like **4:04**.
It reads **6:22**
